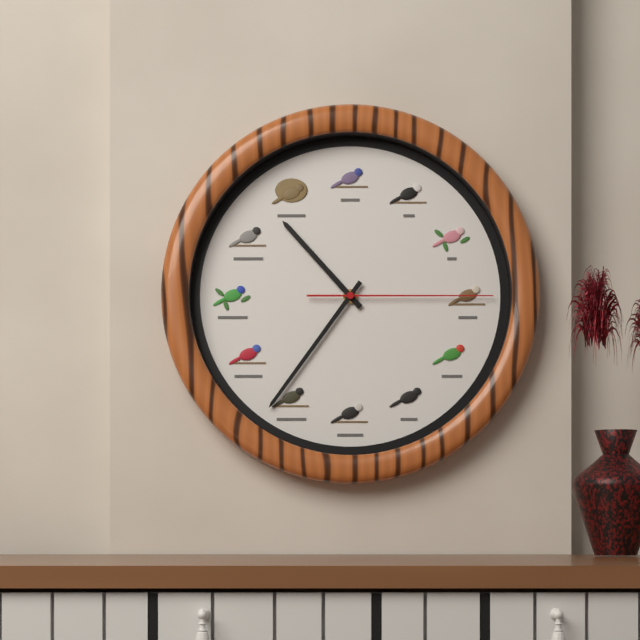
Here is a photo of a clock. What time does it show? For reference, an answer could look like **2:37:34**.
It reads **10:36:15**
